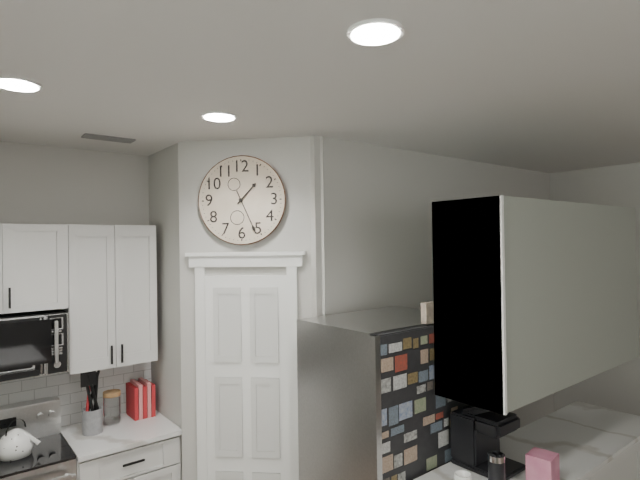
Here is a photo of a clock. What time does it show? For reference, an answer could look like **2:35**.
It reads **1:26**
